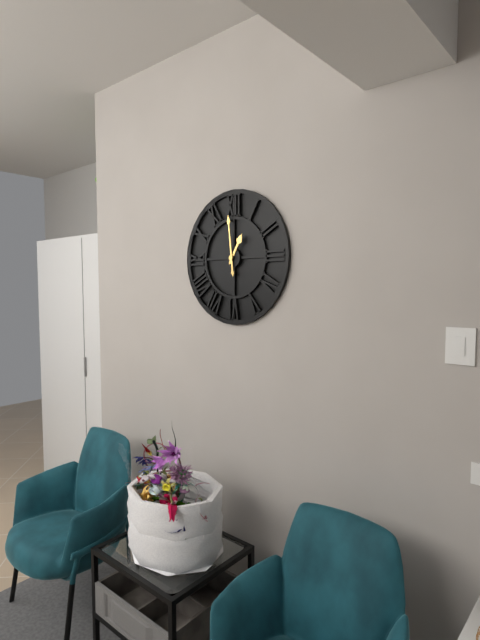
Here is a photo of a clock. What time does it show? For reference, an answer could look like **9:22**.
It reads **12:59**
